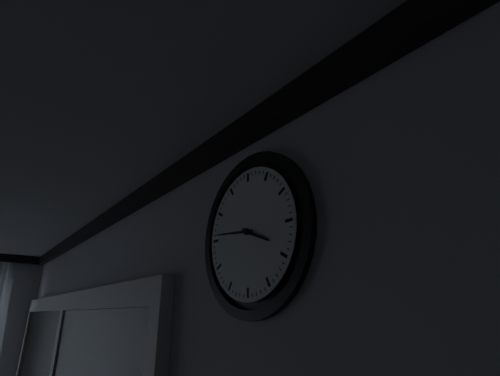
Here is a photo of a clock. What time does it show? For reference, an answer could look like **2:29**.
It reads **3:46**
